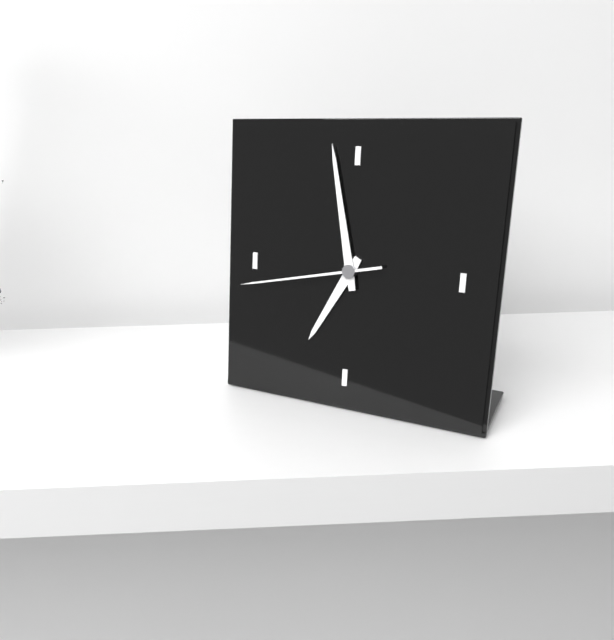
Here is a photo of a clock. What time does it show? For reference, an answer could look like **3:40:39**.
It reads **6:58:43**
